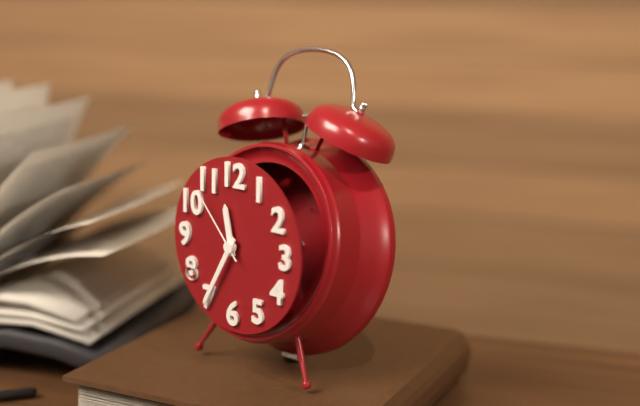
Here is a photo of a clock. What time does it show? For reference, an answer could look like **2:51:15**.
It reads **11:35:53**
